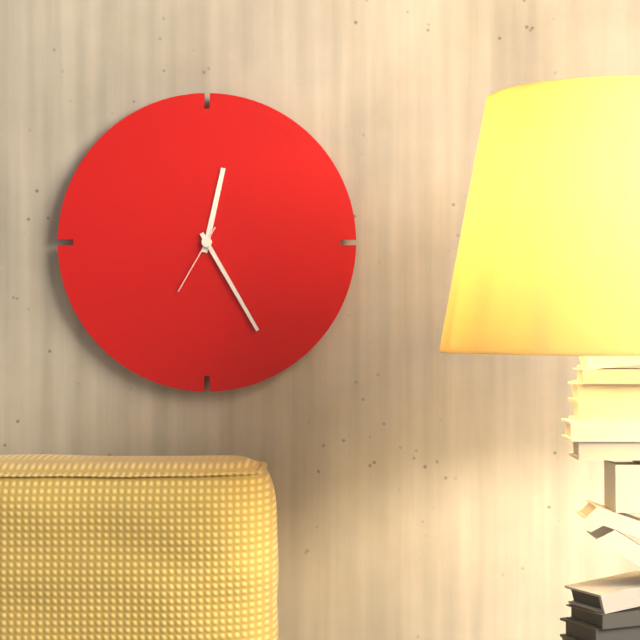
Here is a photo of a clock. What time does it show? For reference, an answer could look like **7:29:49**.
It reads **12:25:35**
